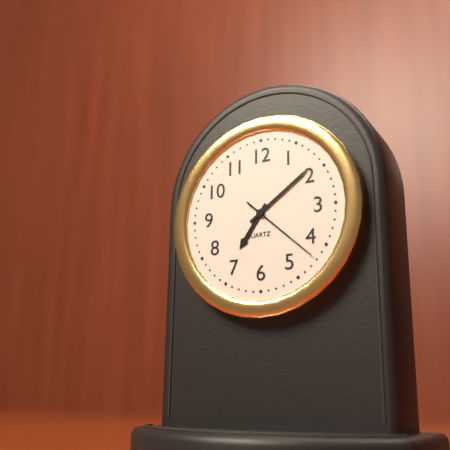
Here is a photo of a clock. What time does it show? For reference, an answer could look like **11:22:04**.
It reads **7:09:22**
